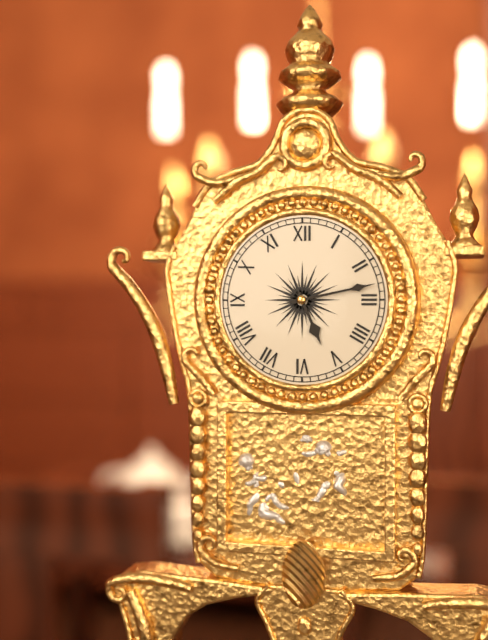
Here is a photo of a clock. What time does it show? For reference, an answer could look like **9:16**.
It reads **5:13**
